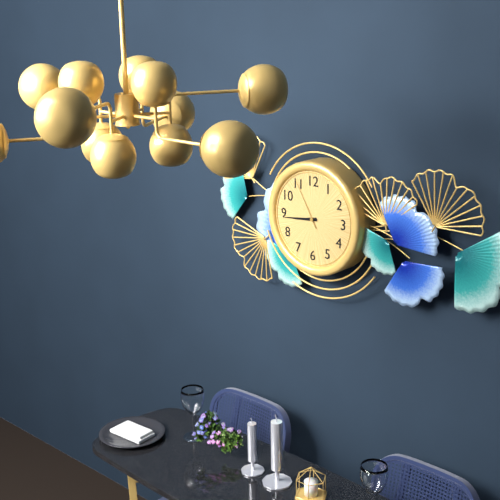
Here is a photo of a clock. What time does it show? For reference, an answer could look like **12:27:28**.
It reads **8:44:55**
